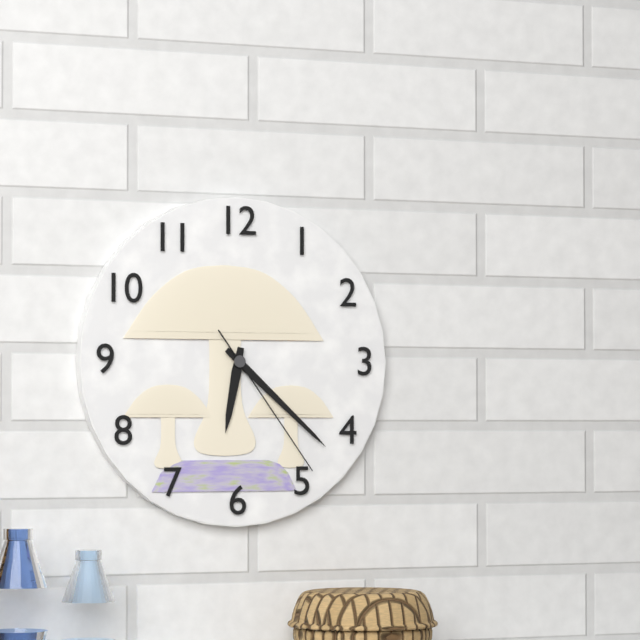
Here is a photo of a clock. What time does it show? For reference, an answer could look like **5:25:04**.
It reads **6:22:24**
